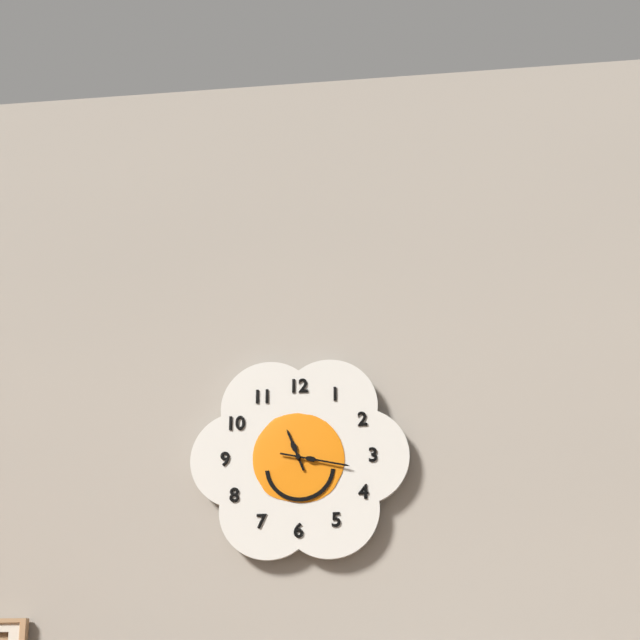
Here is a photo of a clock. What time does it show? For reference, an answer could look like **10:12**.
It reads **11:17**
